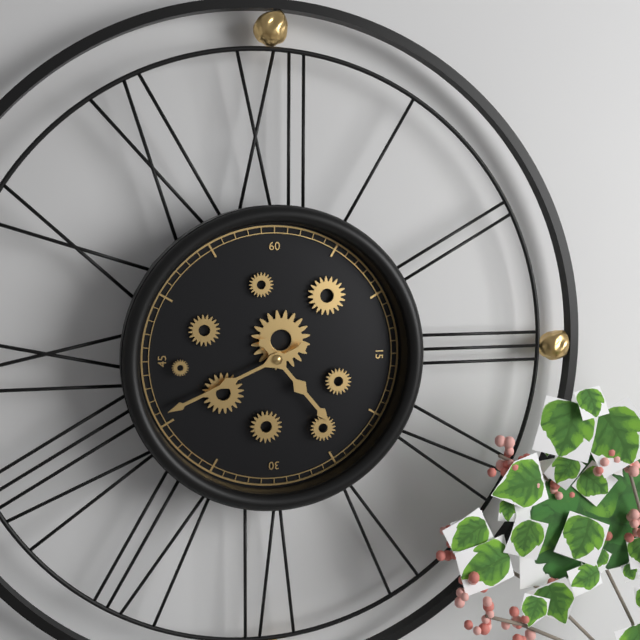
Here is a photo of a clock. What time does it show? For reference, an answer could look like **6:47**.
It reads **4:41**
